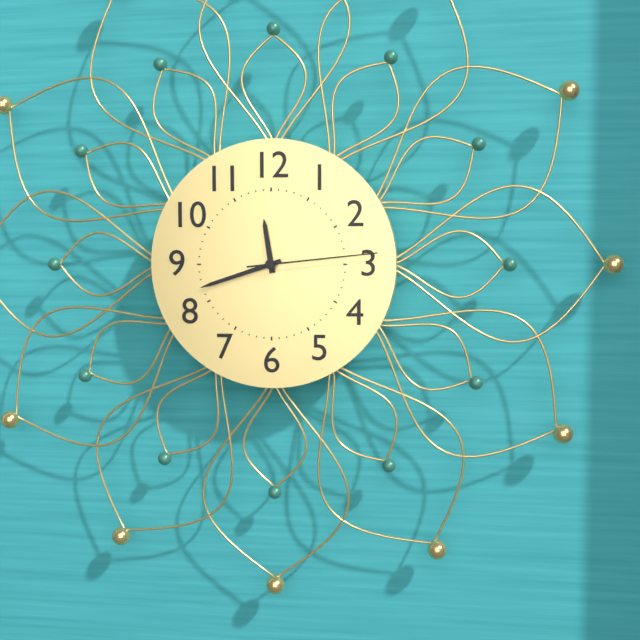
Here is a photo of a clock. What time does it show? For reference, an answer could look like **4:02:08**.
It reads **11:42:14**
